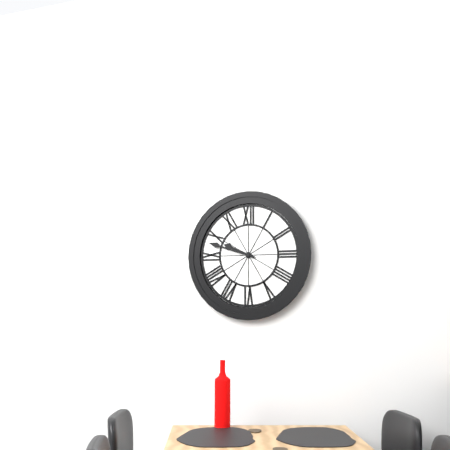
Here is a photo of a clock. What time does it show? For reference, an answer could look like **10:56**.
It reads **9:48**
